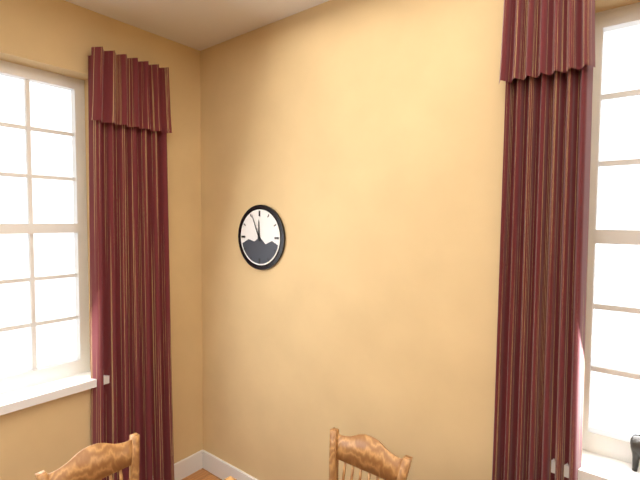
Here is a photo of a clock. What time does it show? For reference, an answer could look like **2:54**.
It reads **11:56**
